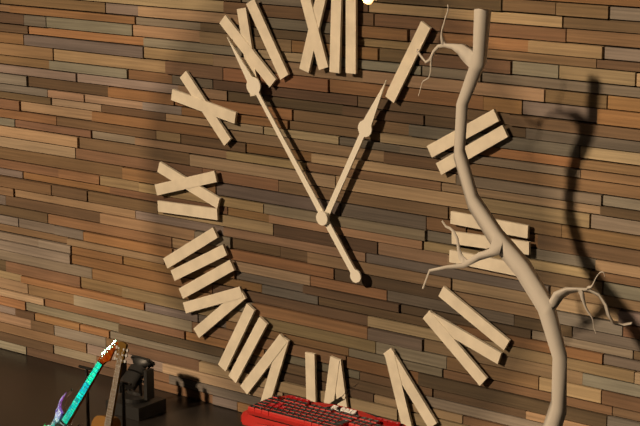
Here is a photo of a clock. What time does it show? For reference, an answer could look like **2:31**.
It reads **12:54**
